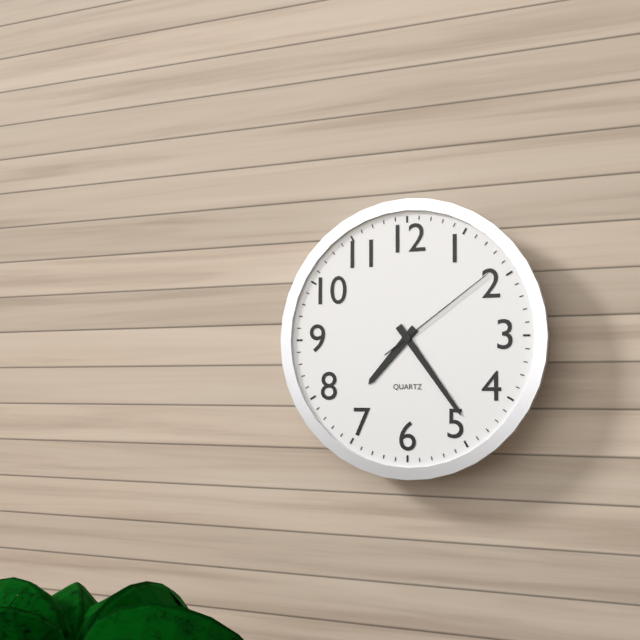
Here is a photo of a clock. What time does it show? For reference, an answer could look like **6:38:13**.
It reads **7:24:09**
